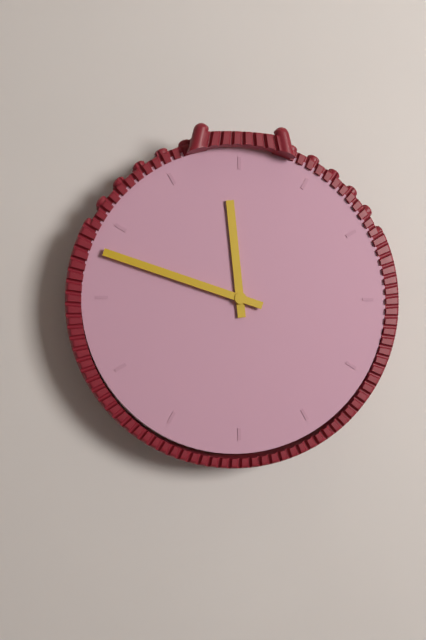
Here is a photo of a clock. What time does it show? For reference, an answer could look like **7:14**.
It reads **11:48**
